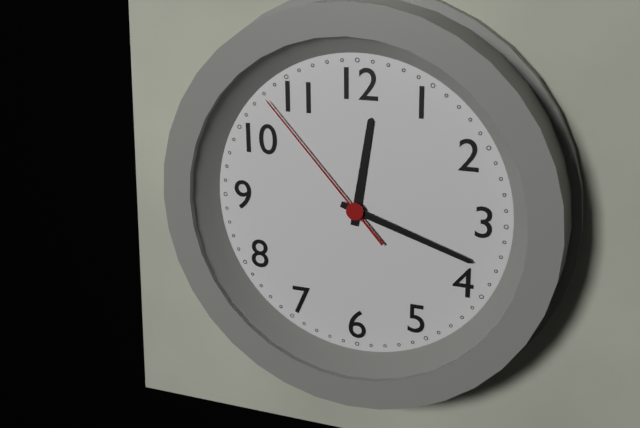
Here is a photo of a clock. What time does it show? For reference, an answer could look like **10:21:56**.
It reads **12:18:53**
